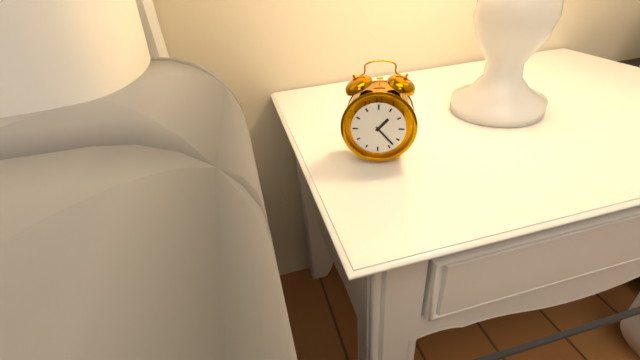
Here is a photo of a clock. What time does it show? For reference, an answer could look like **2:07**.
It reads **1:23**
